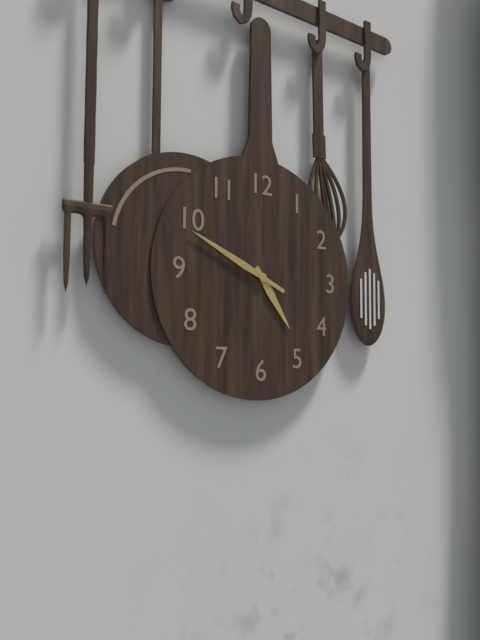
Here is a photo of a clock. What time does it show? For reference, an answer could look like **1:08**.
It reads **4:49**
